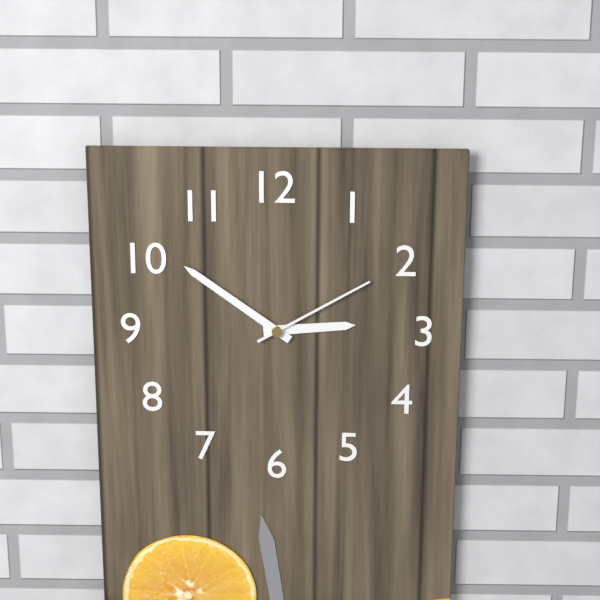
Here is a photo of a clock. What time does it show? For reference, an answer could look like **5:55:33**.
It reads **2:51:10**
